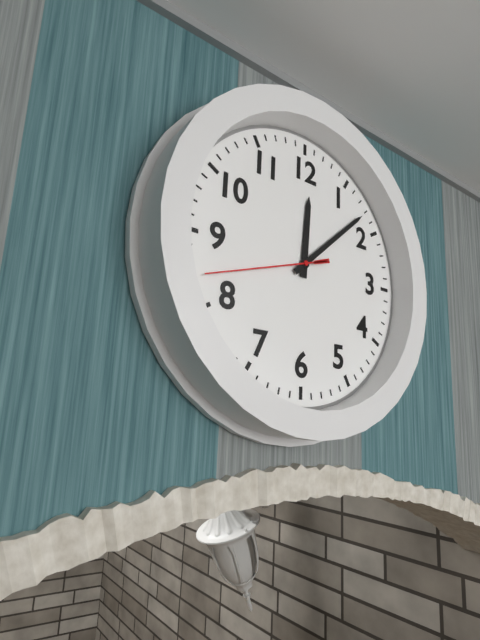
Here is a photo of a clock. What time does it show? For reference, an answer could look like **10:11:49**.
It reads **12:08:42**
